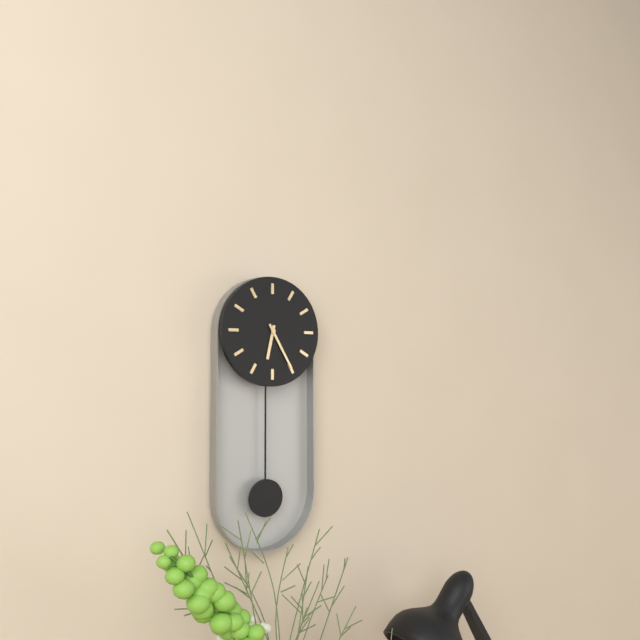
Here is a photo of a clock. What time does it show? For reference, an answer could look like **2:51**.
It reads **6:25**
